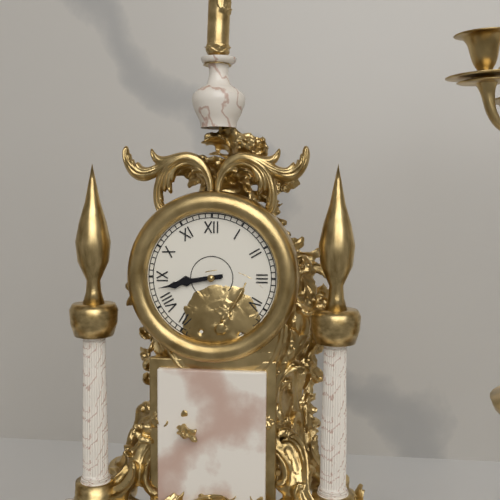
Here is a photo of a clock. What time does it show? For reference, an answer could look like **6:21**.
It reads **8:43**
